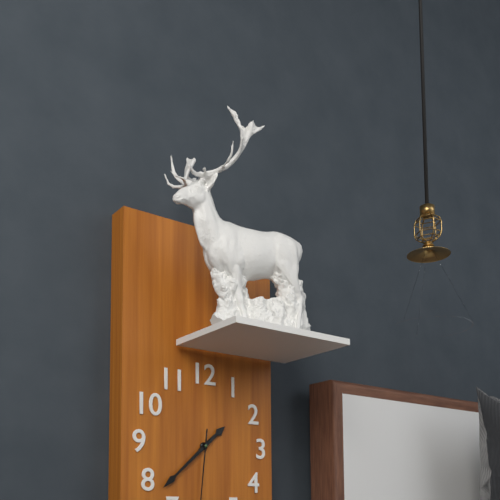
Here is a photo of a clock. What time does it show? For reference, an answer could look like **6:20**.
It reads **1:38**
